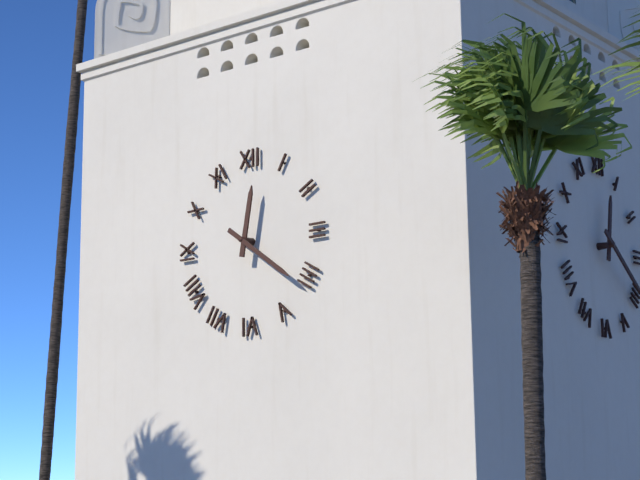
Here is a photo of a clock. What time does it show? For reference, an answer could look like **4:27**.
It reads **12:21**
